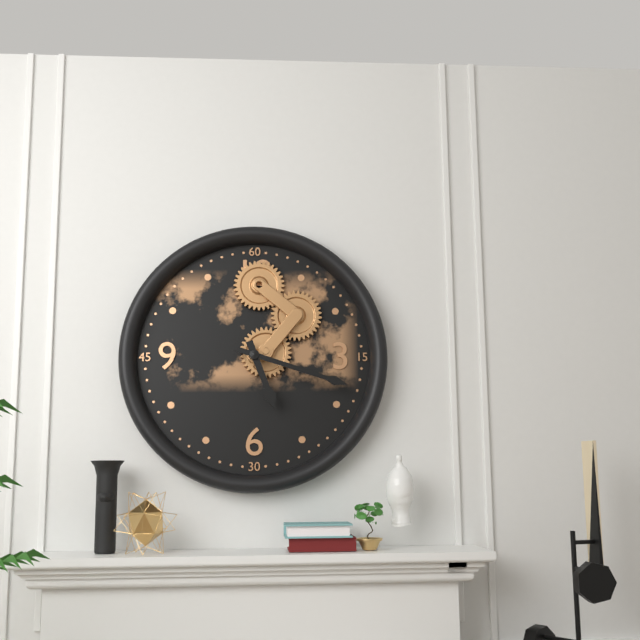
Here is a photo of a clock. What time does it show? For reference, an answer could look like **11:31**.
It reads **5:18**
